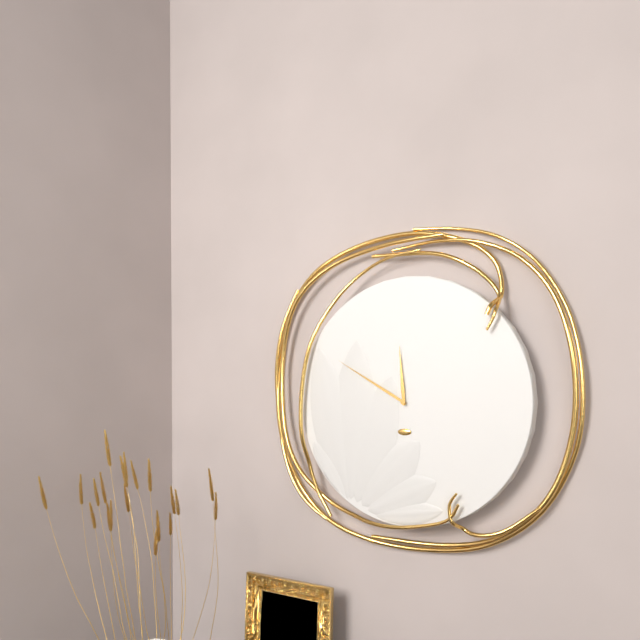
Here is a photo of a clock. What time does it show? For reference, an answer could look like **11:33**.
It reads **11:50**
